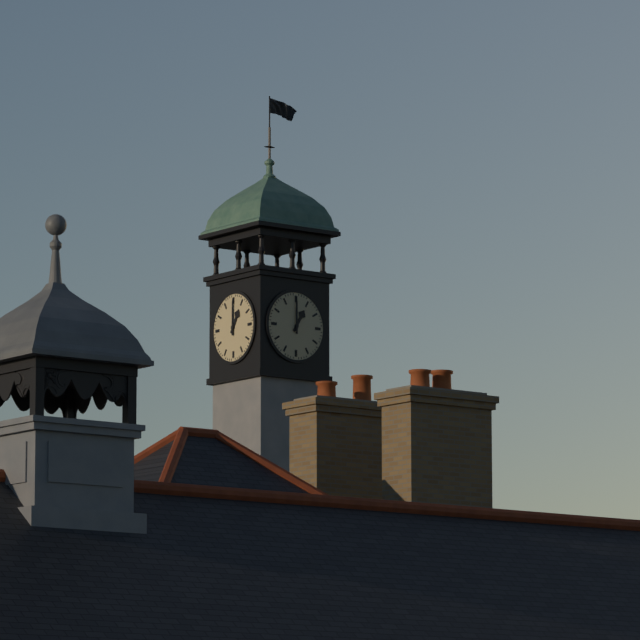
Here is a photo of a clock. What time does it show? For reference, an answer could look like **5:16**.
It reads **1:00**
